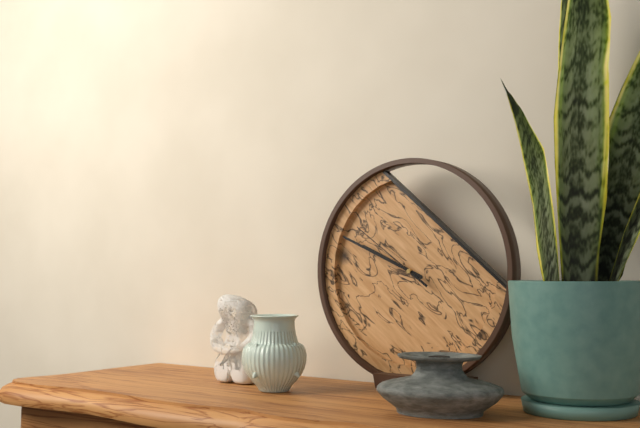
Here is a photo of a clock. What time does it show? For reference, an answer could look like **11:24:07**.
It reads **9:49:51**
